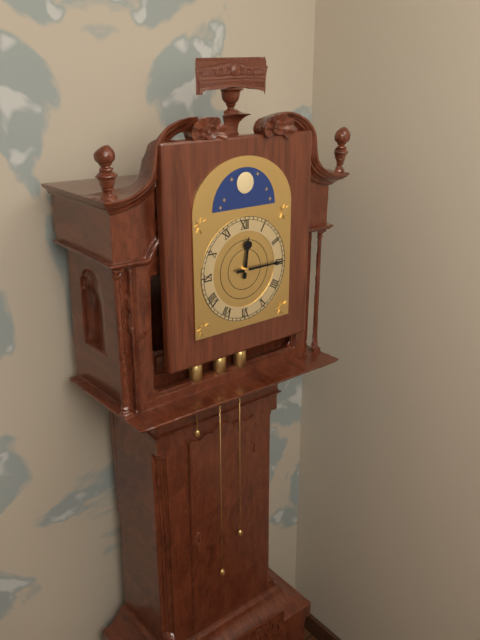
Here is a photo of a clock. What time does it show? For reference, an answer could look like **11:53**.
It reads **12:15**
